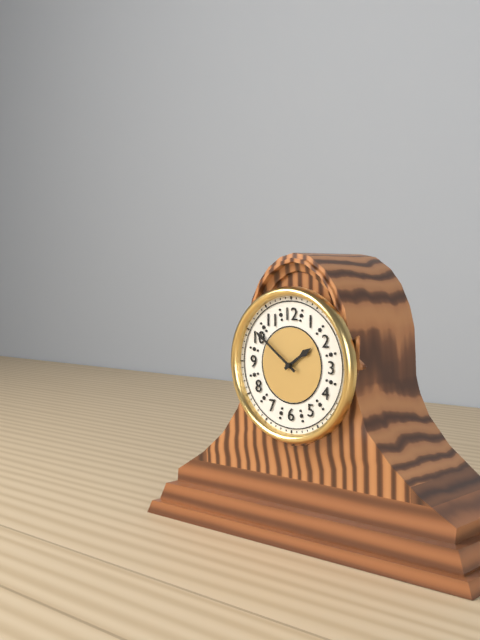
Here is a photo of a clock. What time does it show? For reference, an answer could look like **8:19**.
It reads **1:51**
